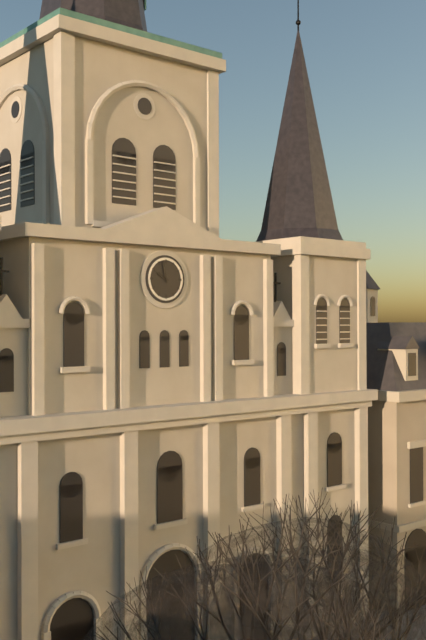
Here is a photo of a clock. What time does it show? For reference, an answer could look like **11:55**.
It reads **9:58**
